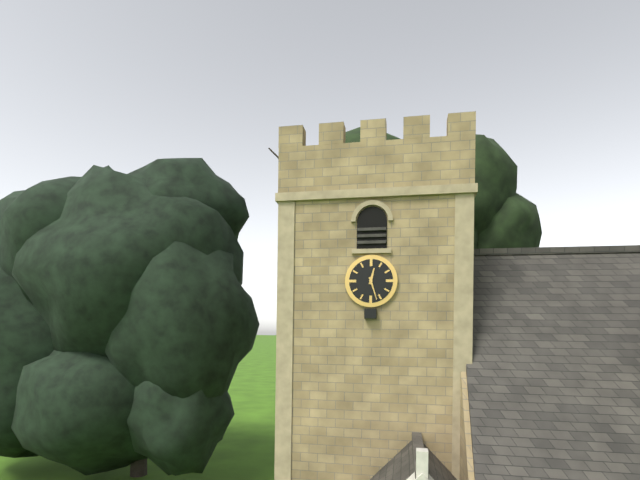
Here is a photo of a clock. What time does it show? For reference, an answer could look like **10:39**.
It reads **12:27**
